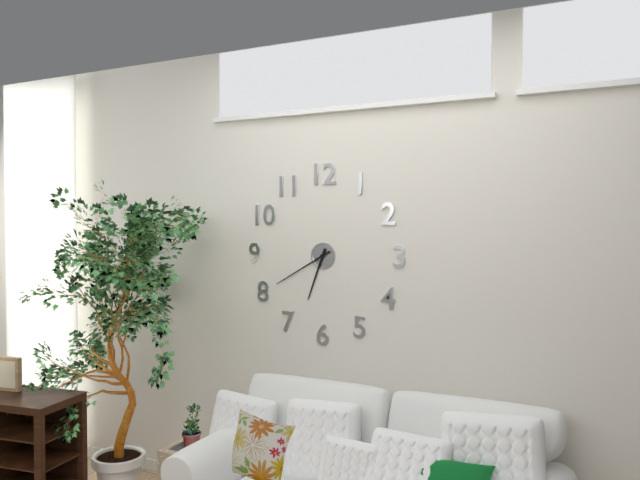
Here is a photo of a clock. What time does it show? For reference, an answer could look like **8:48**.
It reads **6:40**
